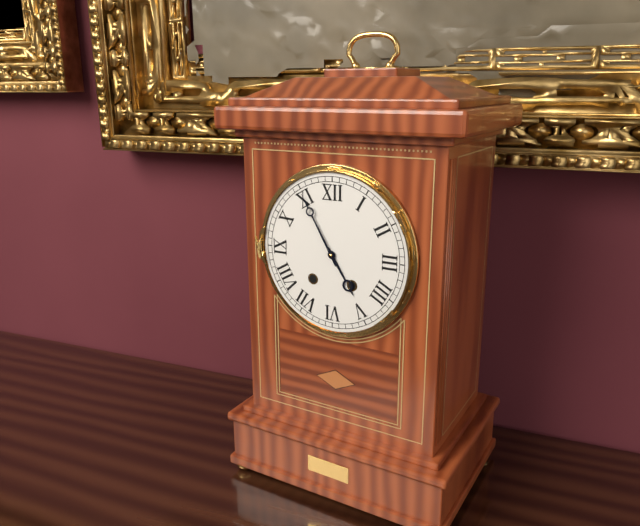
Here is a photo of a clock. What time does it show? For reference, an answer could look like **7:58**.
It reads **4:55**
